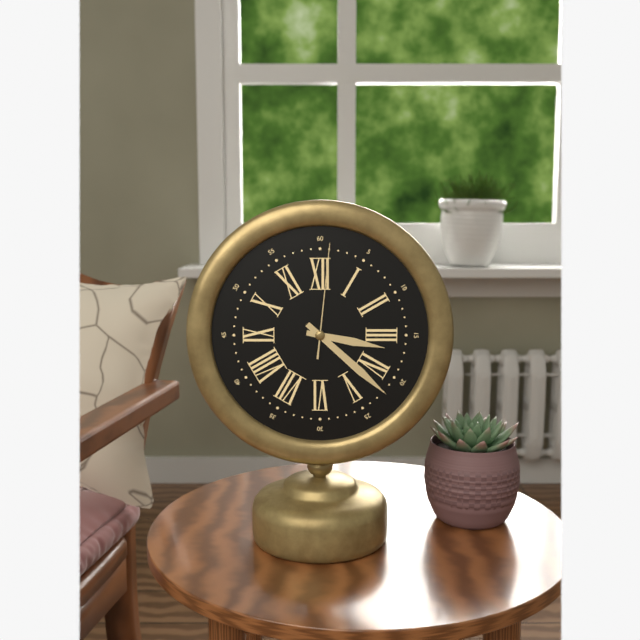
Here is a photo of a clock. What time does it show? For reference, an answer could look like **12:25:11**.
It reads **3:22:01**
